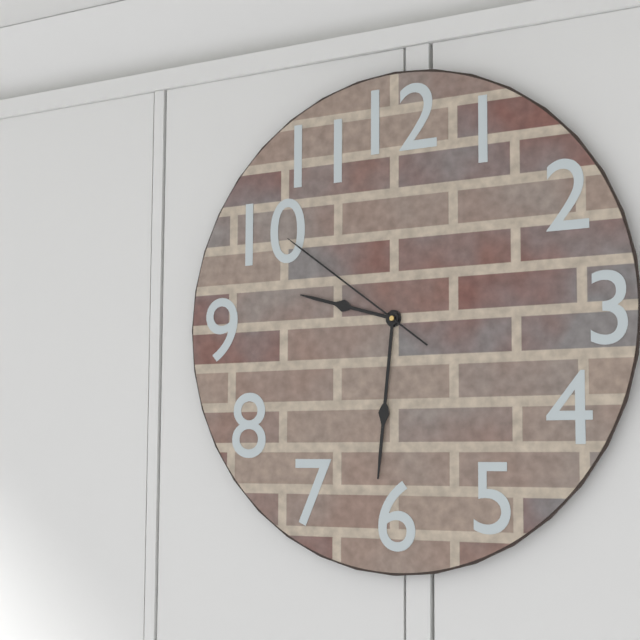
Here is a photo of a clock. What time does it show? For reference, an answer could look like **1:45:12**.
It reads **9:31:51**
